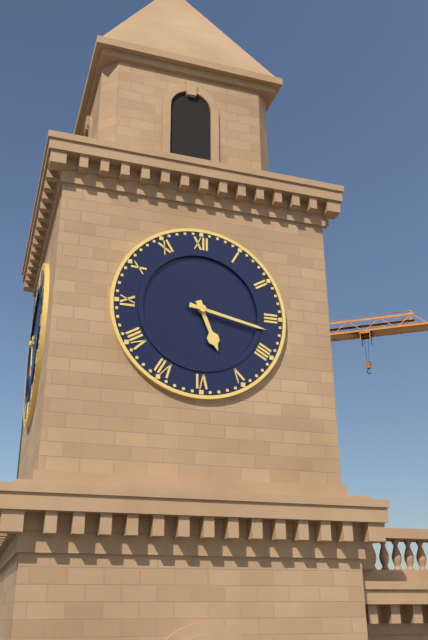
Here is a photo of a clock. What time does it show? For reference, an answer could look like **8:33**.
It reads **5:17**
